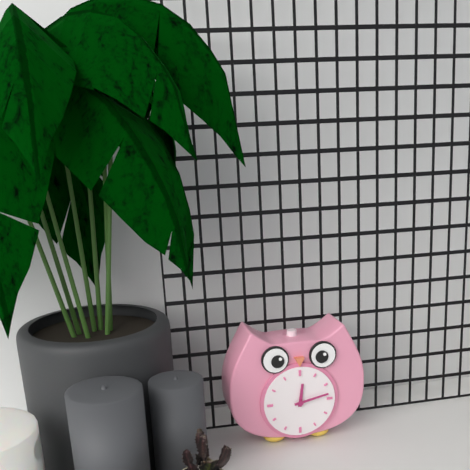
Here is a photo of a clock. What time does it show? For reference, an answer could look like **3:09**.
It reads **12:13**
